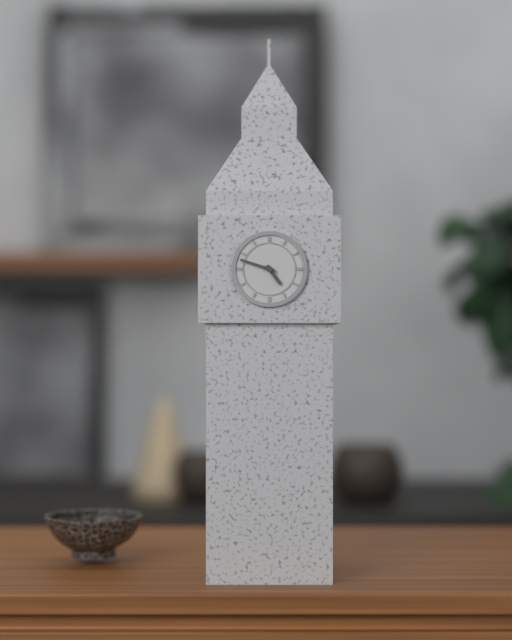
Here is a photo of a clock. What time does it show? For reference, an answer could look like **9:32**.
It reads **4:48**
